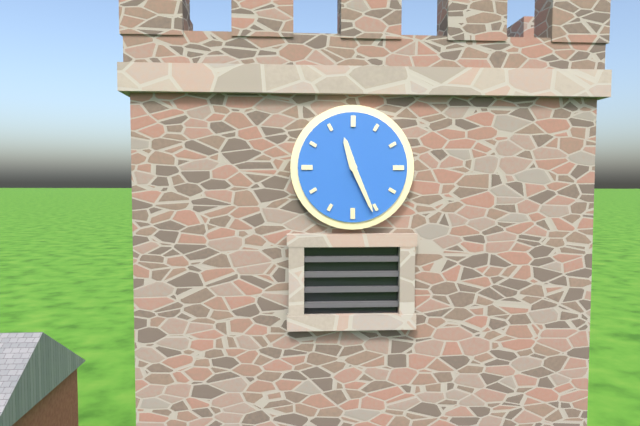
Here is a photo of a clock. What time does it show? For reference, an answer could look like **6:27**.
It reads **11:26**
